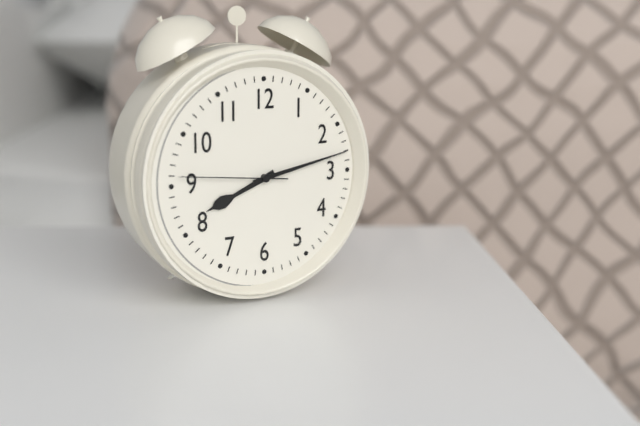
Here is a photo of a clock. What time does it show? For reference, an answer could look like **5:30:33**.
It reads **8:13:46**
